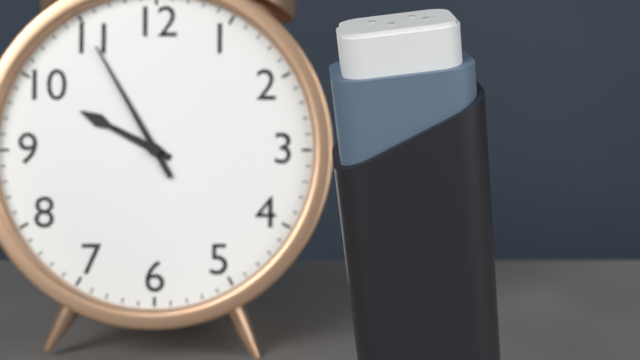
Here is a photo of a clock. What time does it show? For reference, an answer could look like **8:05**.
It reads **9:55**
